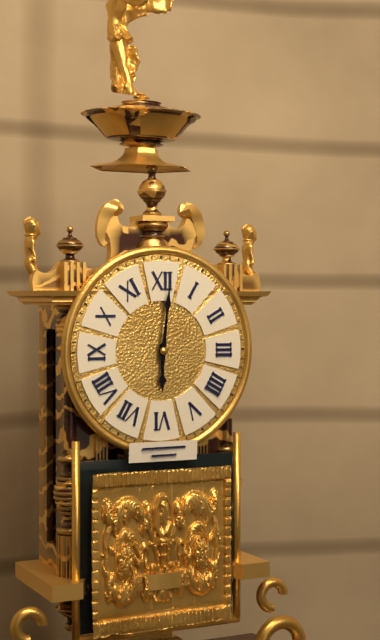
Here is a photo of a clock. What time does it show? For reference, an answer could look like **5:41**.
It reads **6:01**
